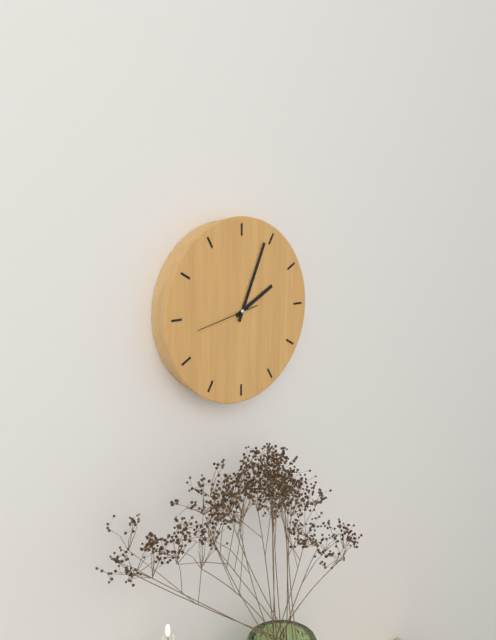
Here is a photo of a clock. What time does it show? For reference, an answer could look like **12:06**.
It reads **2:04**
